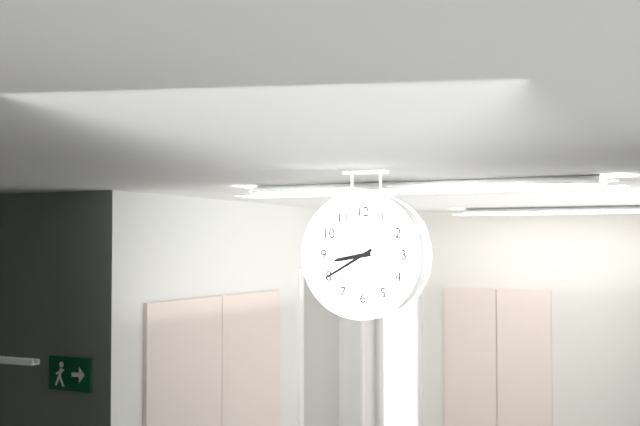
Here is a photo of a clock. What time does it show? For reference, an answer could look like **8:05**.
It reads **8:40**
